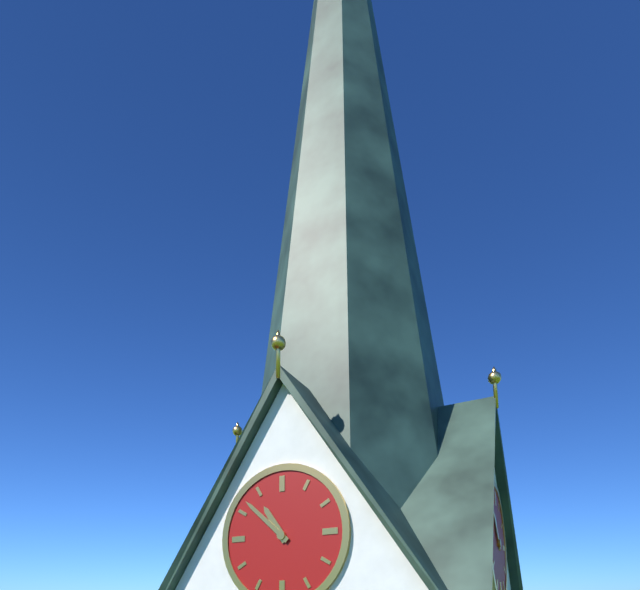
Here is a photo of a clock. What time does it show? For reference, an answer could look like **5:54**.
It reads **10:52**
